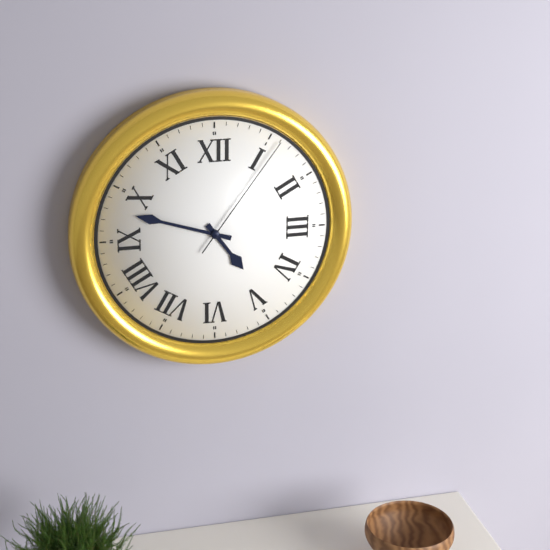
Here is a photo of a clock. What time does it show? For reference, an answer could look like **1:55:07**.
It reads **4:48:06**
